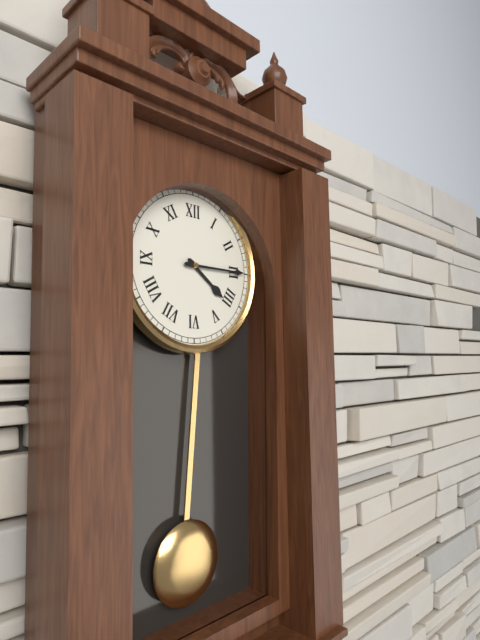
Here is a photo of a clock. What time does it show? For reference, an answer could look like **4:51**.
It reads **4:15**
